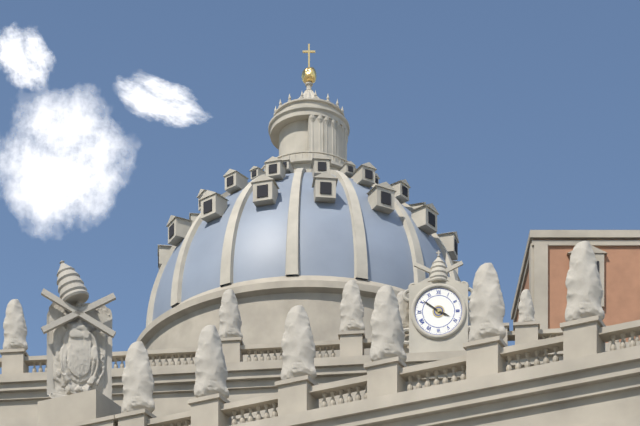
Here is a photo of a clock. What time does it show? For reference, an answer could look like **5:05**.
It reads **3:51**
